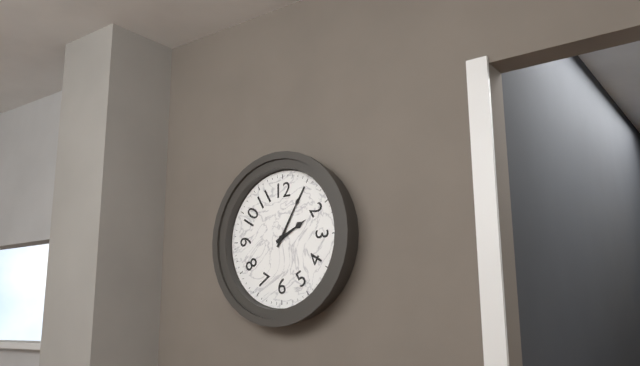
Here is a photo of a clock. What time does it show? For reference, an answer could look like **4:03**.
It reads **2:05**
